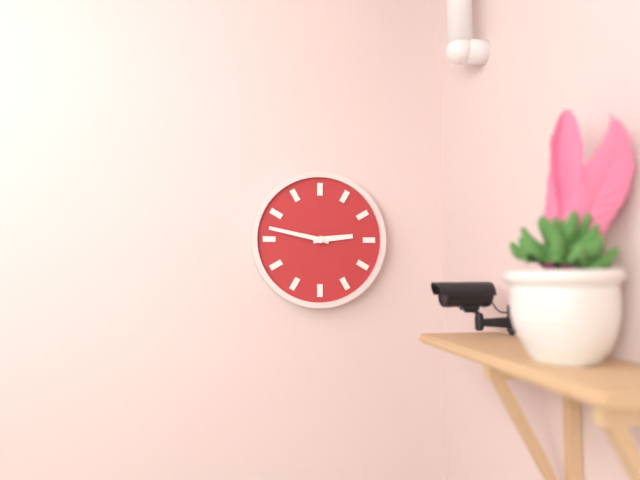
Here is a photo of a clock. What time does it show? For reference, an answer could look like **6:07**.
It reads **2:47**
